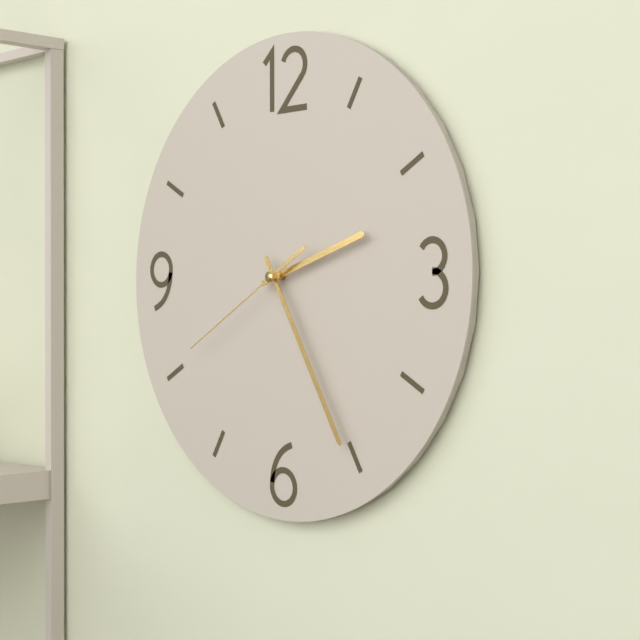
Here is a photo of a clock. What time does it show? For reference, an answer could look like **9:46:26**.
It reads **2:25:40**
